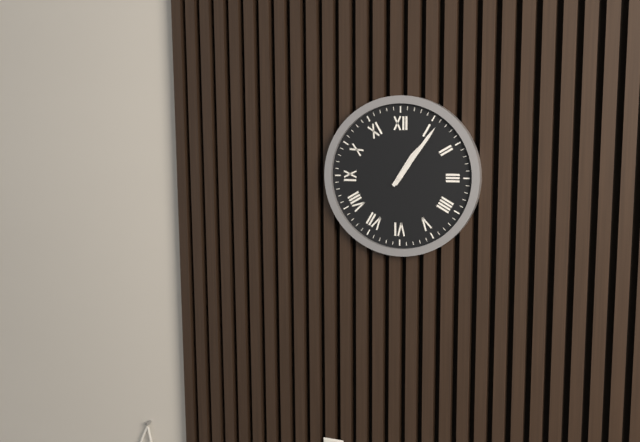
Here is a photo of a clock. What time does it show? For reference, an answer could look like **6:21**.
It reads **1:06**
